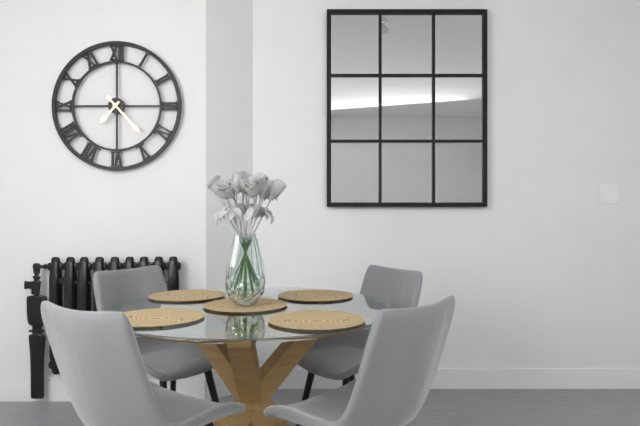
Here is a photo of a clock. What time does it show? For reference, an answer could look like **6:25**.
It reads **7:23**
